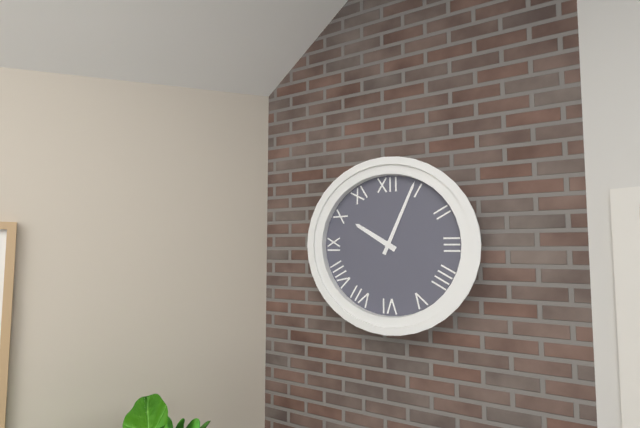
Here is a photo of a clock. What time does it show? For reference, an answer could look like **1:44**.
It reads **10:04**
